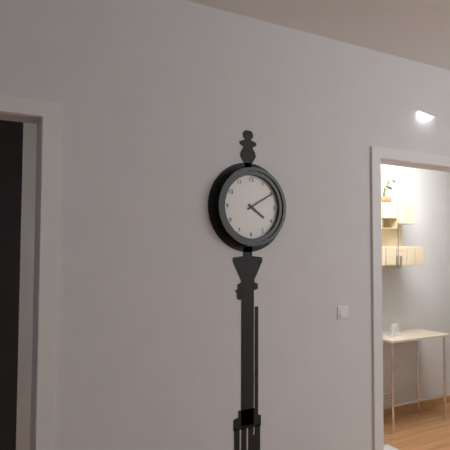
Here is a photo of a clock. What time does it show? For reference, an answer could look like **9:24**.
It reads **4:10**
